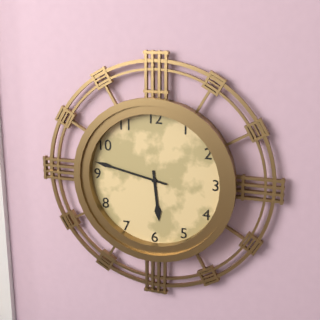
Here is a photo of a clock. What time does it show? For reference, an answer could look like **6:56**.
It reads **5:47**
